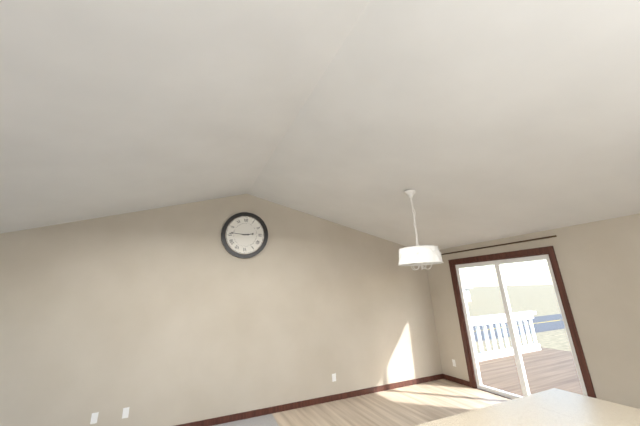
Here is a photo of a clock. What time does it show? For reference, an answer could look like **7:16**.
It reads **2:46**
